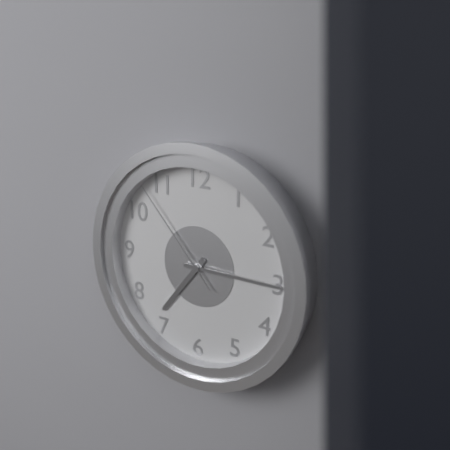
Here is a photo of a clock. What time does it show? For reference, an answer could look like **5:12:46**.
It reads **7:15:53**
